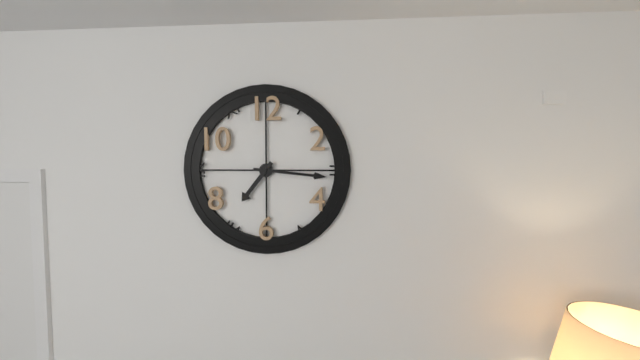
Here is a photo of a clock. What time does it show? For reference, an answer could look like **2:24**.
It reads **7:16**
